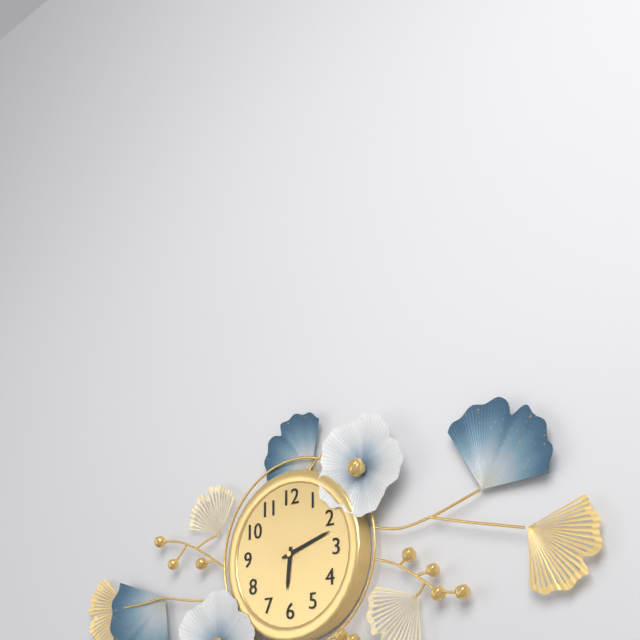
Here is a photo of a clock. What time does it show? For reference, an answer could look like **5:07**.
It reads **6:12**
